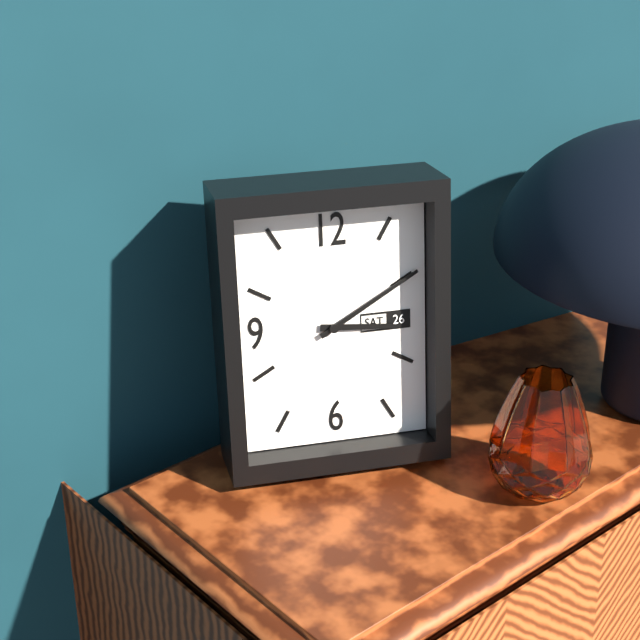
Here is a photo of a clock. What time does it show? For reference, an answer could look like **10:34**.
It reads **3:10**
